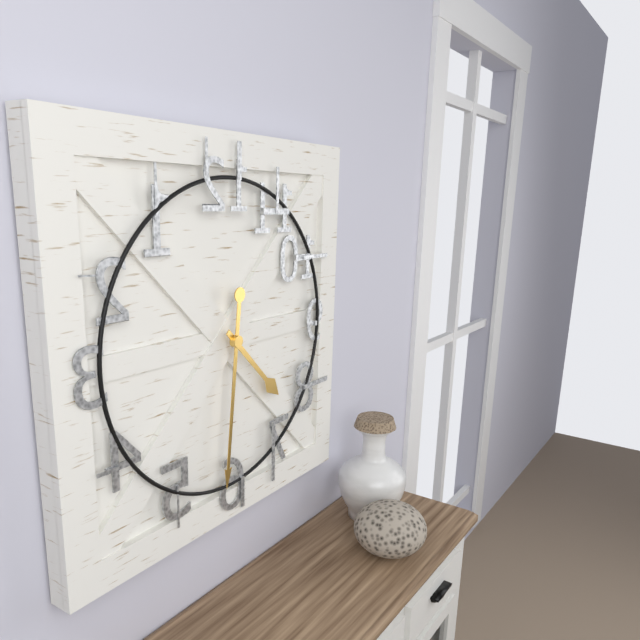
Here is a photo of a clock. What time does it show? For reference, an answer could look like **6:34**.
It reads **4:31**
